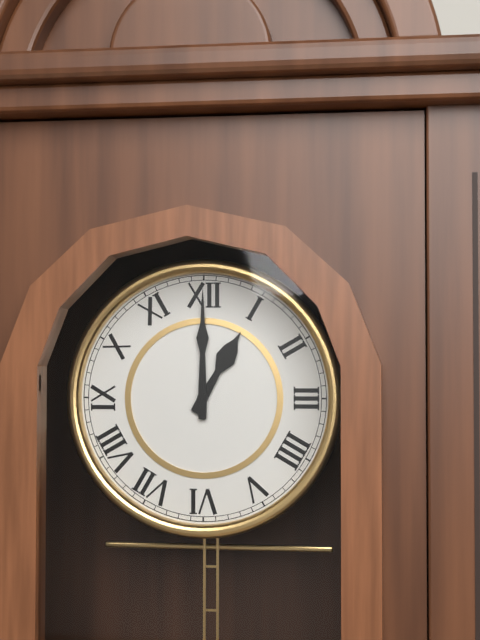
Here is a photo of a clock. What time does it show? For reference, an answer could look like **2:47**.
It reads **1:00**
